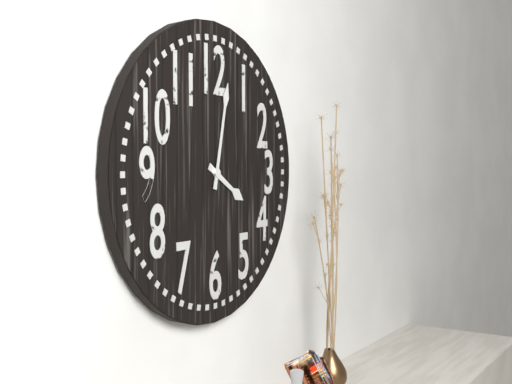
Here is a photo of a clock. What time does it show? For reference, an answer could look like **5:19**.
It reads **4:02**
